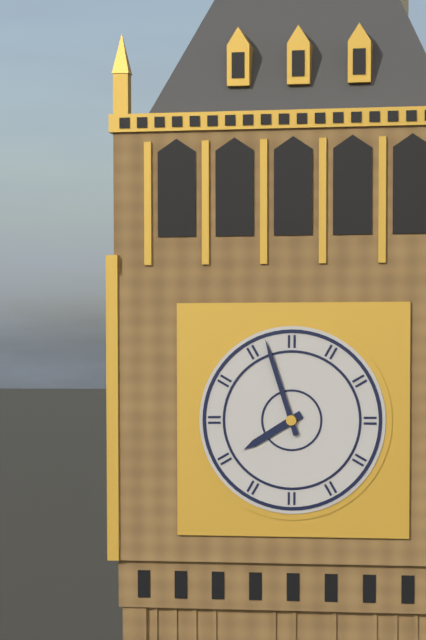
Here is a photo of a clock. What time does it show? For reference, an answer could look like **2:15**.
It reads **7:57**
